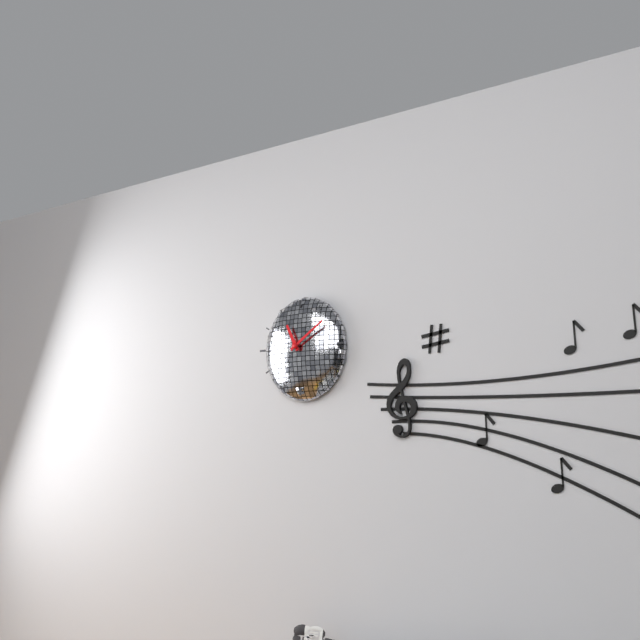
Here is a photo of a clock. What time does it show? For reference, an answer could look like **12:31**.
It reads **11:09**
